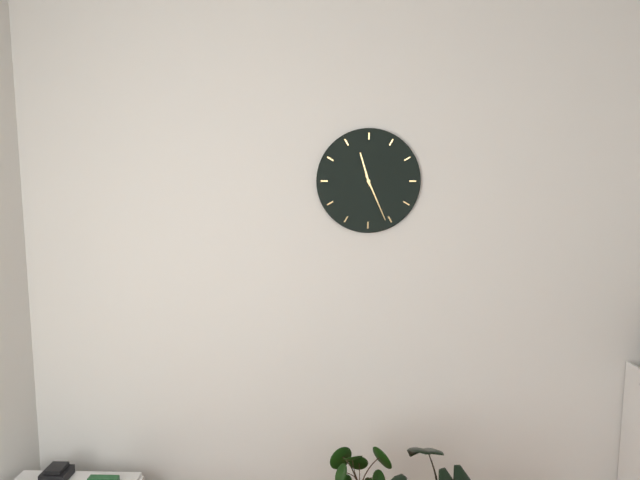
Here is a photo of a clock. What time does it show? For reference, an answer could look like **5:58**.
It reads **11:26**
